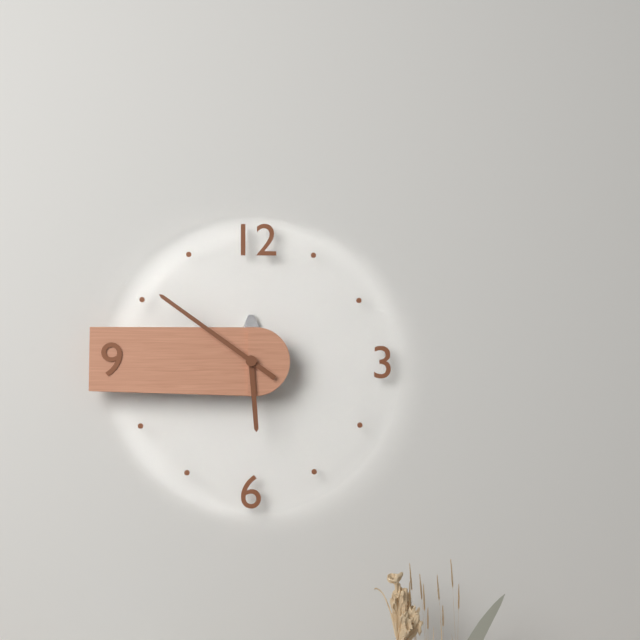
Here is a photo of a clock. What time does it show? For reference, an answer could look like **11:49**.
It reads **5:51**
